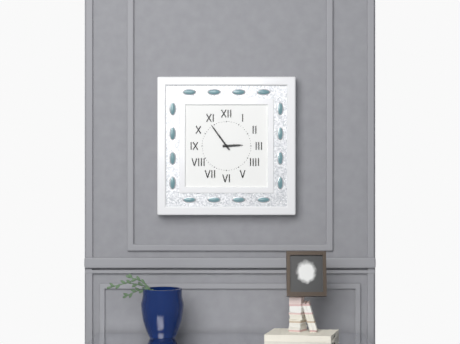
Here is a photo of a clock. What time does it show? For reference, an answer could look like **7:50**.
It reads **2:54**
